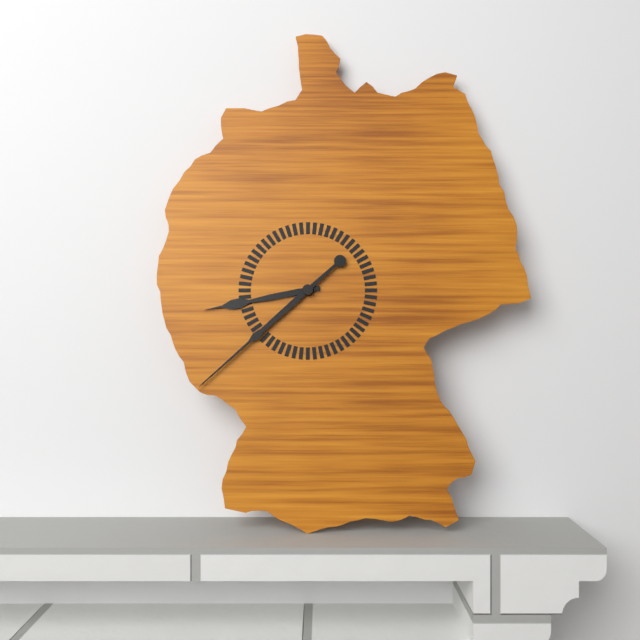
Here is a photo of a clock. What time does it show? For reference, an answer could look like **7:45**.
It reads **8:38**
